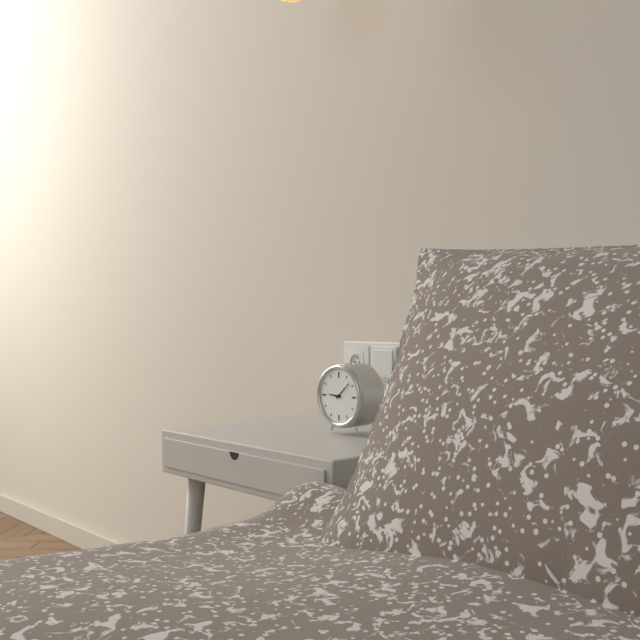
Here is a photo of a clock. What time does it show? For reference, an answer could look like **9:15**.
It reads **9:08**
